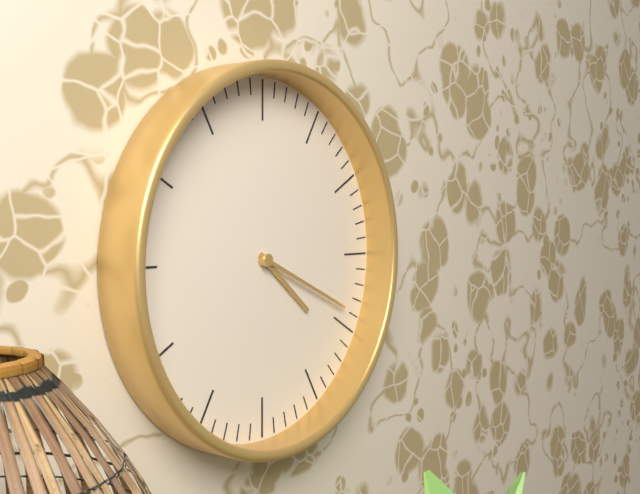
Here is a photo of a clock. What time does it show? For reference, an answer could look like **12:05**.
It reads **4:19**
